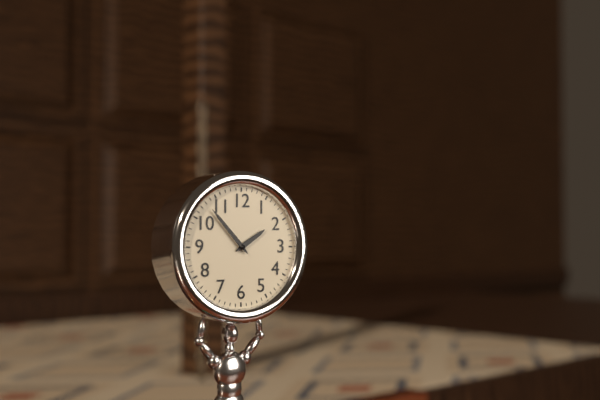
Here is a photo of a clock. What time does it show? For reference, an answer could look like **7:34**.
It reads **1:53**
